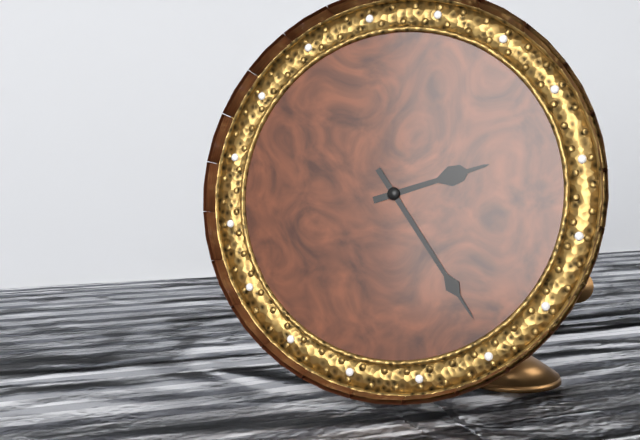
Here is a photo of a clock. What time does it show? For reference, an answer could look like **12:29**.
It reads **2:24**
